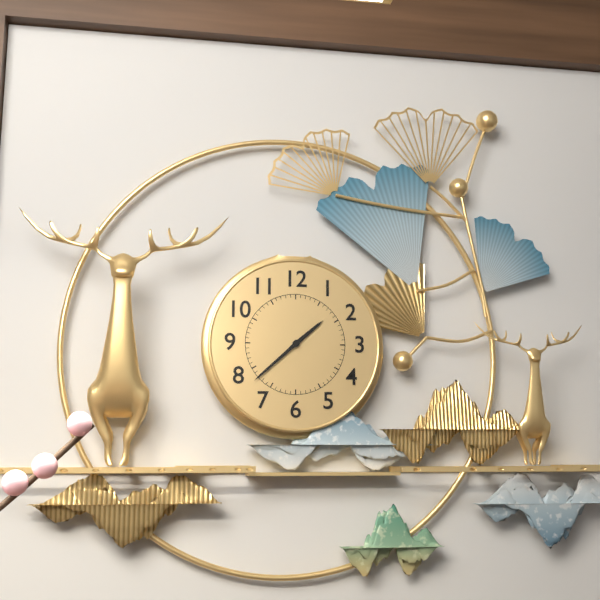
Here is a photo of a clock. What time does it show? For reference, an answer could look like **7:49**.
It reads **1:38**
